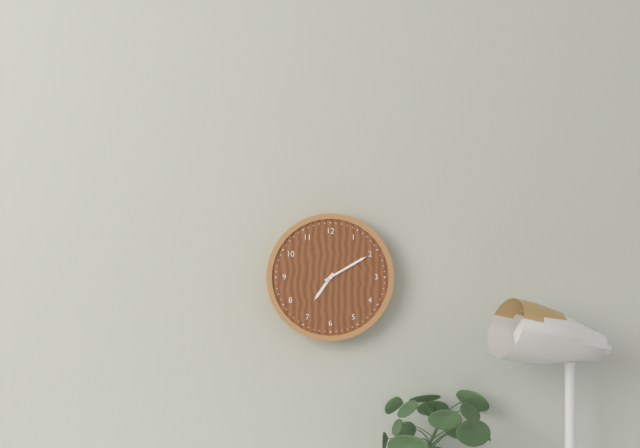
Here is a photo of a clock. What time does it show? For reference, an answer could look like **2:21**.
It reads **7:10**
